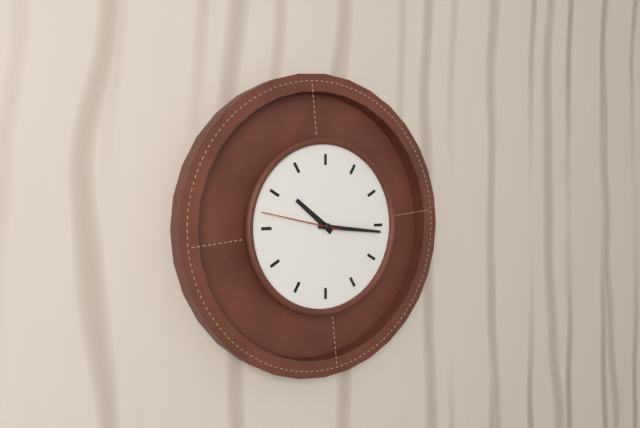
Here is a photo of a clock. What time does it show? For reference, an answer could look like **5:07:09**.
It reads **10:16:47**
